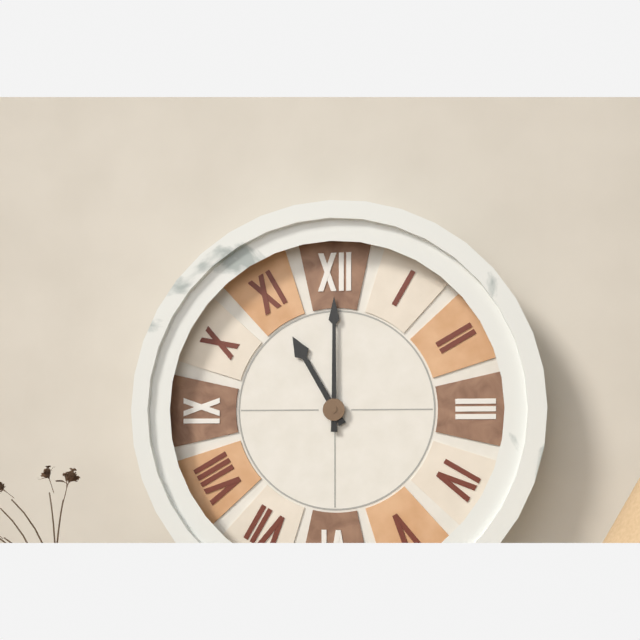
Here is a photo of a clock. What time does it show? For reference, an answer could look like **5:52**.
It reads **11:00**
